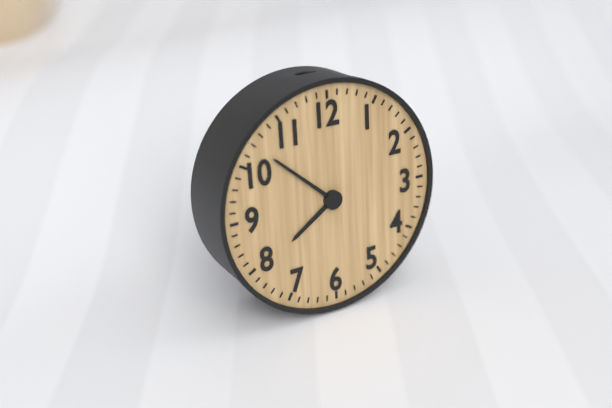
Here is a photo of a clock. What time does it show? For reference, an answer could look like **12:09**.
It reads **7:52**
